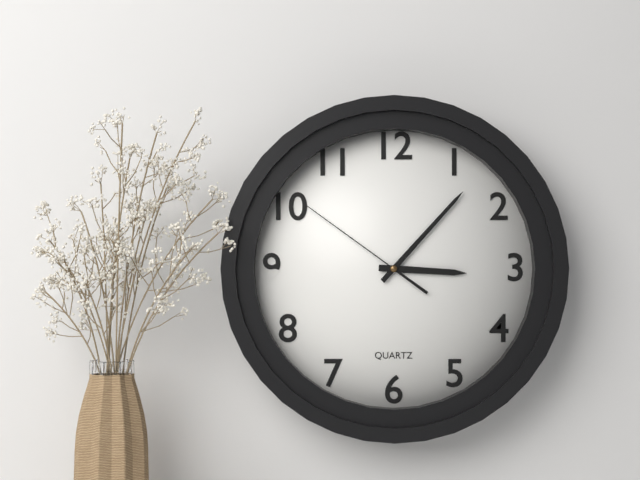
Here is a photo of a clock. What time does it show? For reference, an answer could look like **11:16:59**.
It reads **3:07:51**
